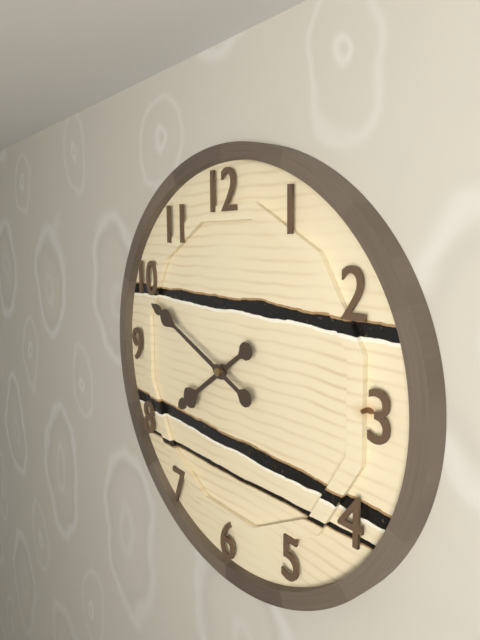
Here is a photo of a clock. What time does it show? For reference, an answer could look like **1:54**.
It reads **7:49**
